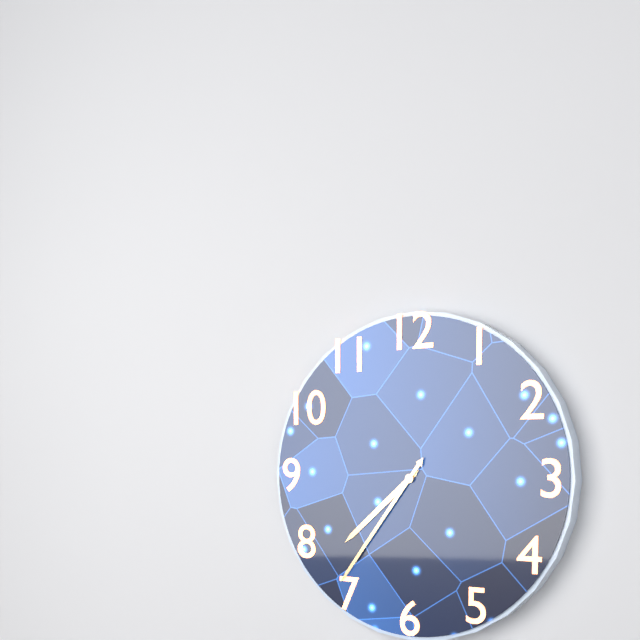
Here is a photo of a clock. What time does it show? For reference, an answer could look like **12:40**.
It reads **7:36**
